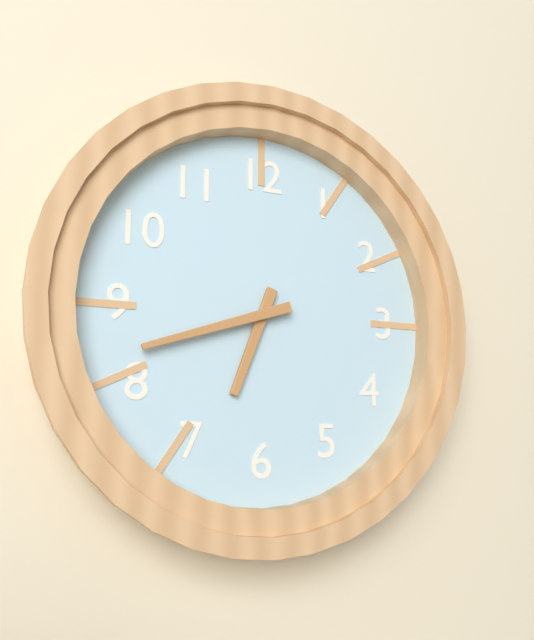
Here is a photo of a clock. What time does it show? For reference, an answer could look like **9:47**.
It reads **6:42**
